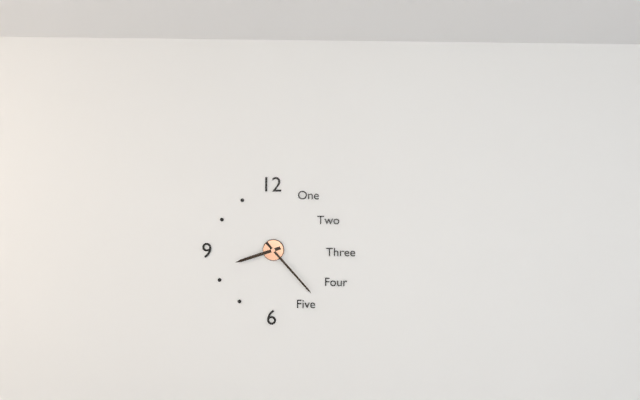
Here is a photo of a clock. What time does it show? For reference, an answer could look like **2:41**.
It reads **8:23**
